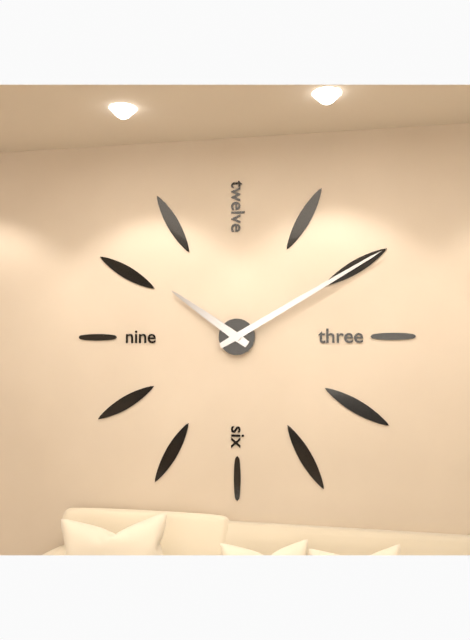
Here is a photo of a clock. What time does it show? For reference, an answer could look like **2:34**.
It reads **10:10**
